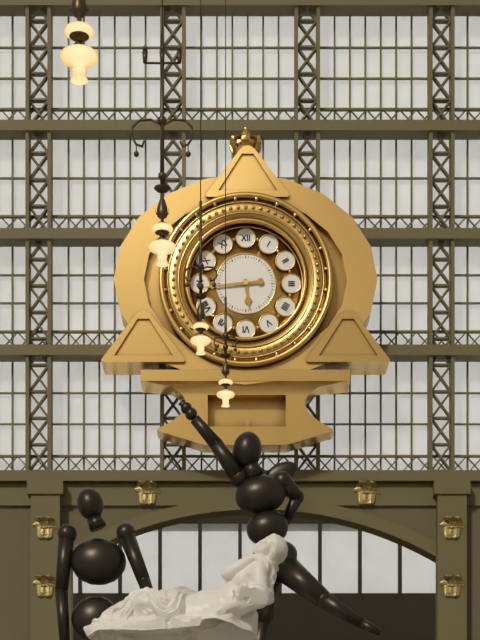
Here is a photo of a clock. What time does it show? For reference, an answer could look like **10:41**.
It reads **5:44**
